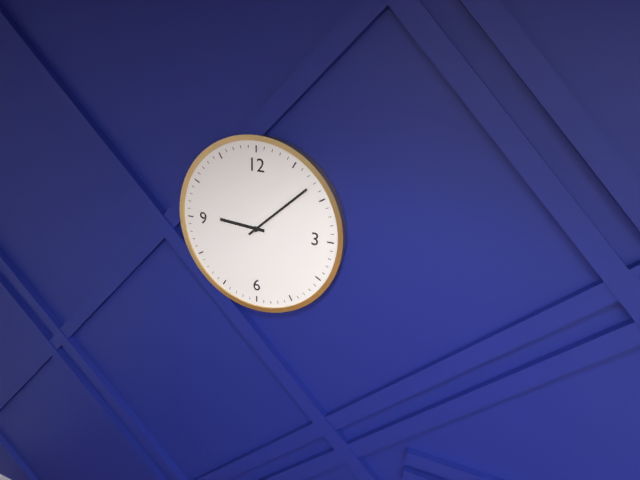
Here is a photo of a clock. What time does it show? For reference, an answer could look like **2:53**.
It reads **9:08**
